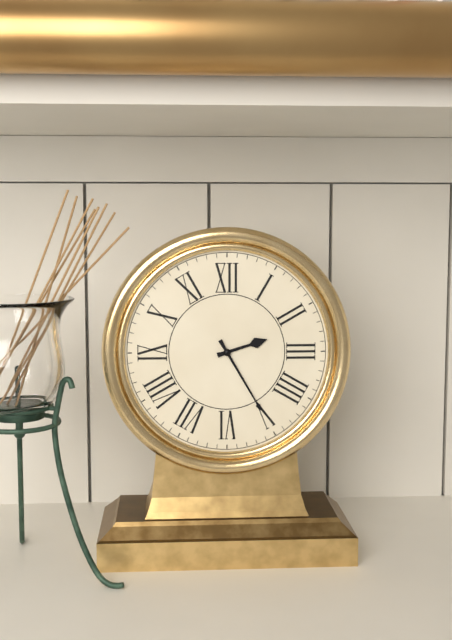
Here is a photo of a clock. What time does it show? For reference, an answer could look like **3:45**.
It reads **2:25**
